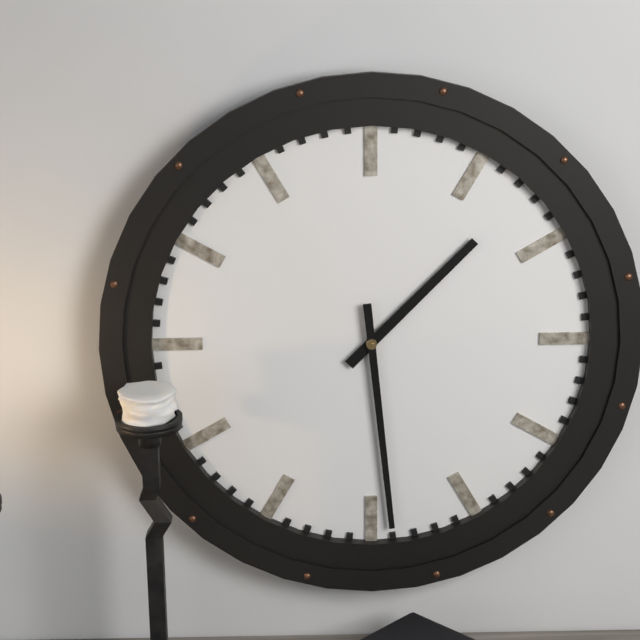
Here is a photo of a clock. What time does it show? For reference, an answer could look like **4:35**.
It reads **1:29**
